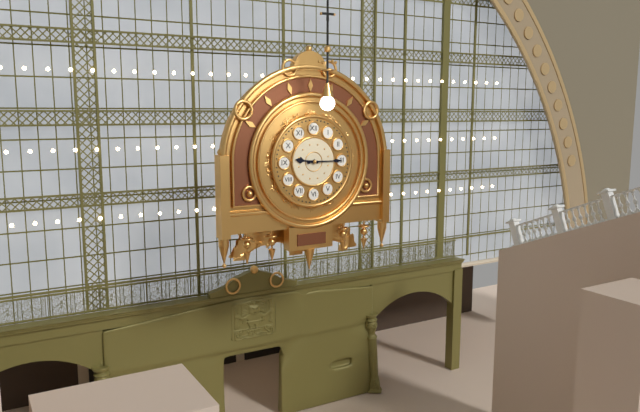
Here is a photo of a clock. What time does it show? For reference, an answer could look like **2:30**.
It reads **9:15**
